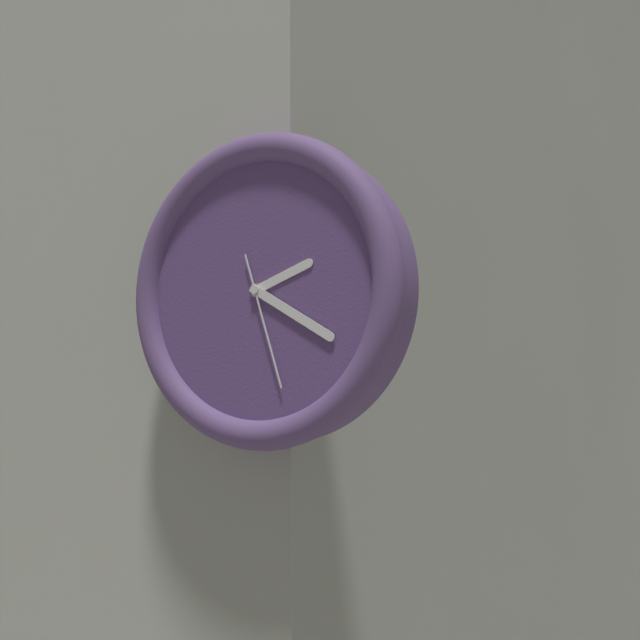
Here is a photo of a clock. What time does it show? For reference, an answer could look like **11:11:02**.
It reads **2:20:27**
